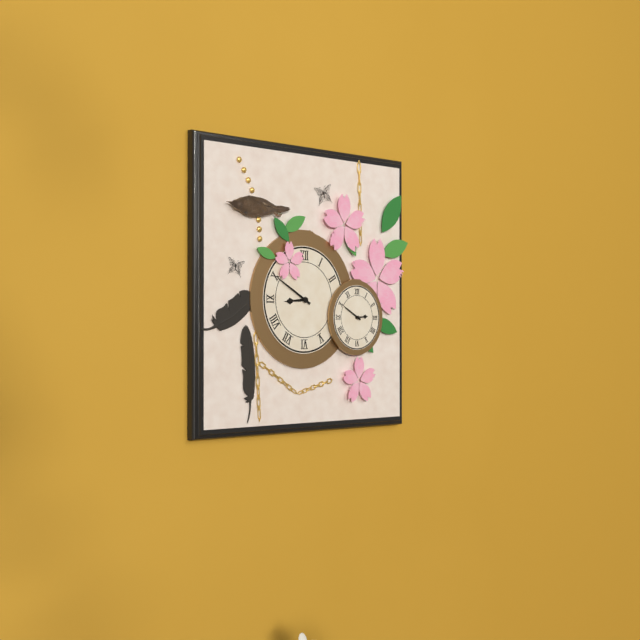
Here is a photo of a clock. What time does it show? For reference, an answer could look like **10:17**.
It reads **8:50**
